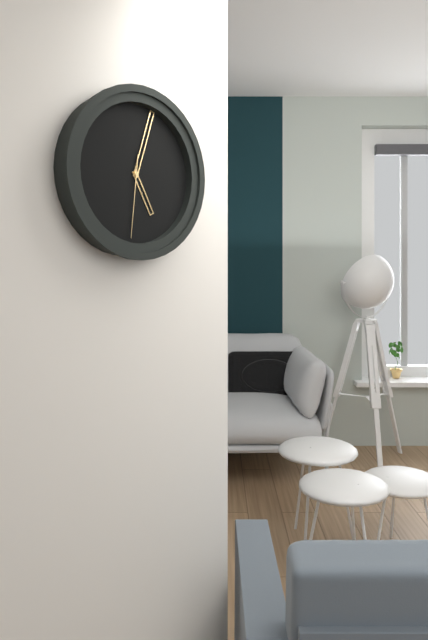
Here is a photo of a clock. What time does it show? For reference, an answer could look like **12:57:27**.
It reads **5:03:31**
